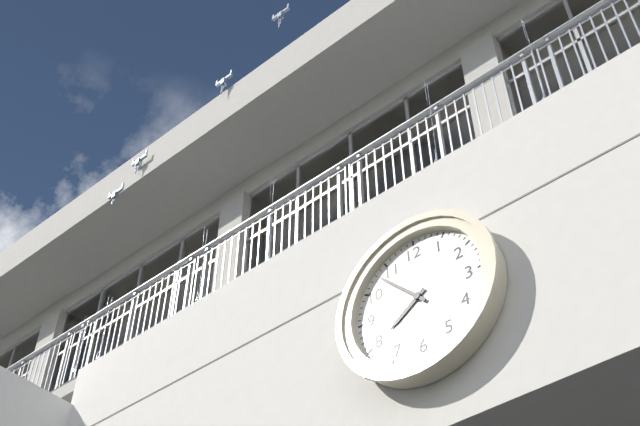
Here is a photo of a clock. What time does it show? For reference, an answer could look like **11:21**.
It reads **7:53**
